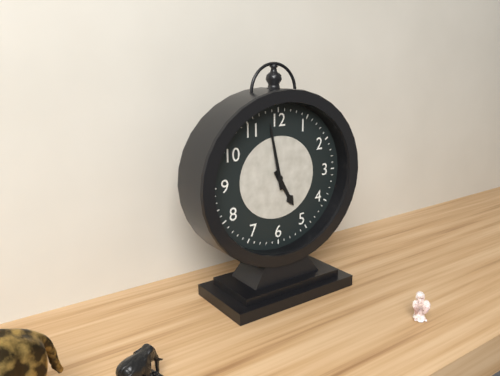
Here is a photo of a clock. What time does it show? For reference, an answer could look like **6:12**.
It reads **4:58**
